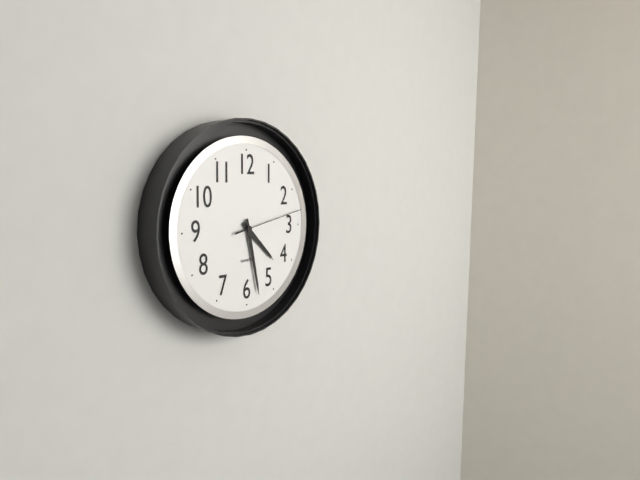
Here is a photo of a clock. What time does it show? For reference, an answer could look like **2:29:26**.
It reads **4:28:13**
